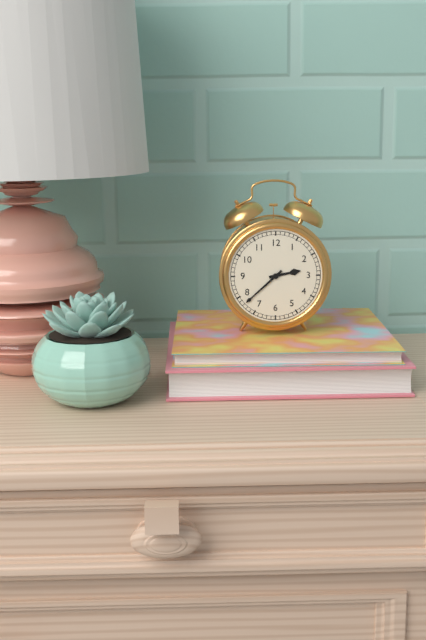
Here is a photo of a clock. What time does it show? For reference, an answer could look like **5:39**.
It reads **2:38**
